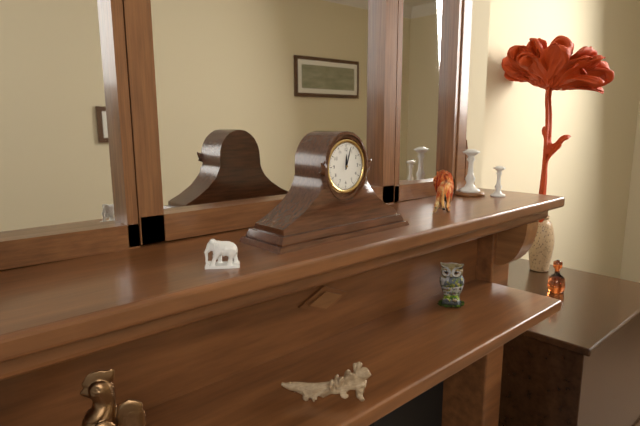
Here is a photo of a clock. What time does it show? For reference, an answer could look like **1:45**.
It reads **12:03**
